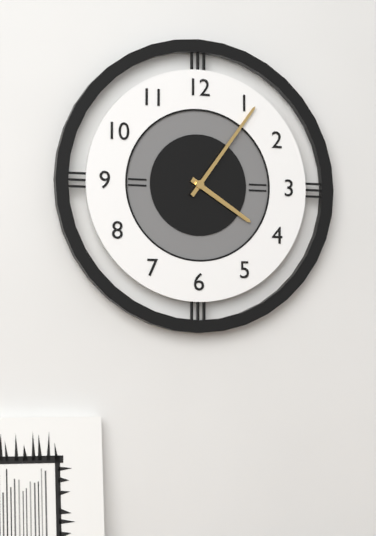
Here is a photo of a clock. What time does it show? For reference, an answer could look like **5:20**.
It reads **4:06**
